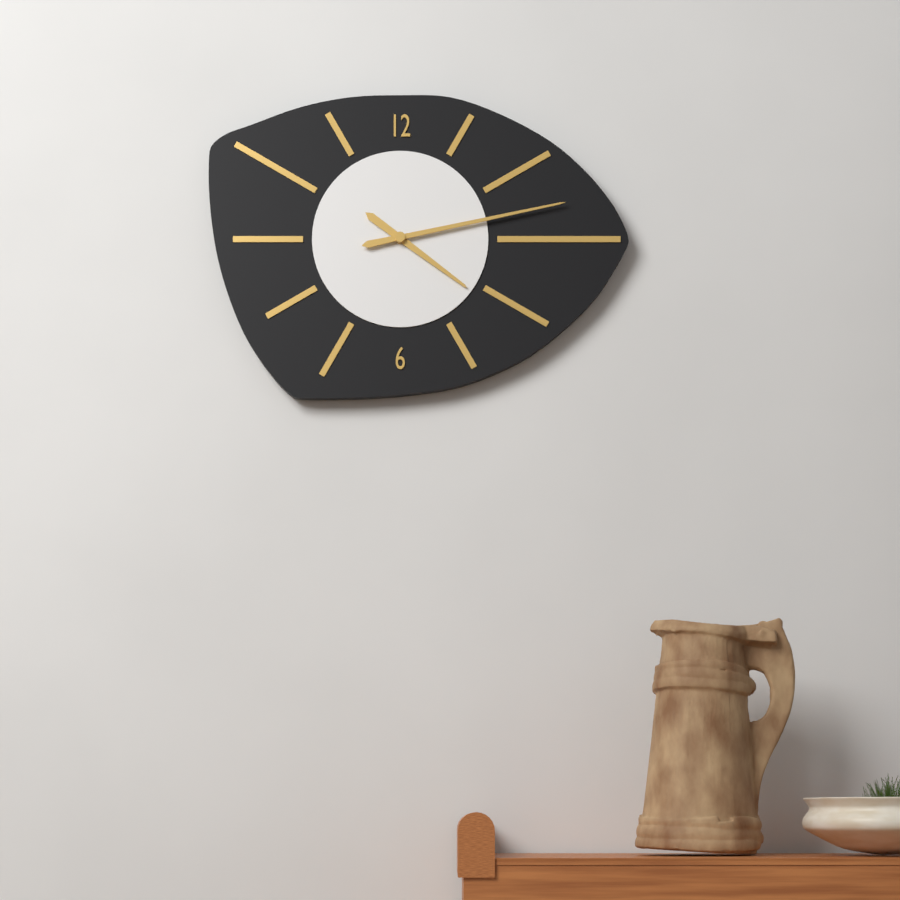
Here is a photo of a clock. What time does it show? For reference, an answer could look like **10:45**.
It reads **4:13**
